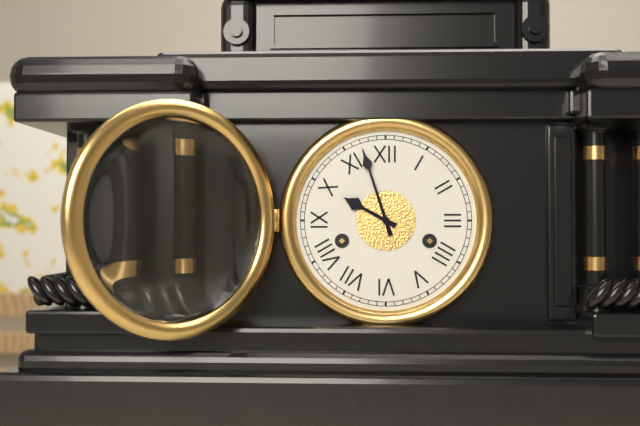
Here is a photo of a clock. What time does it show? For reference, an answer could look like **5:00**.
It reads **9:57**
